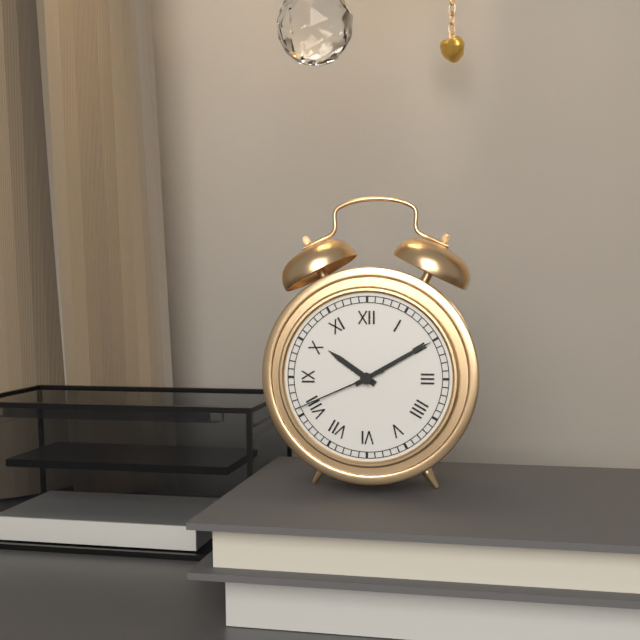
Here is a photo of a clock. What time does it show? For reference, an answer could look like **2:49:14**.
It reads **10:10:41**
